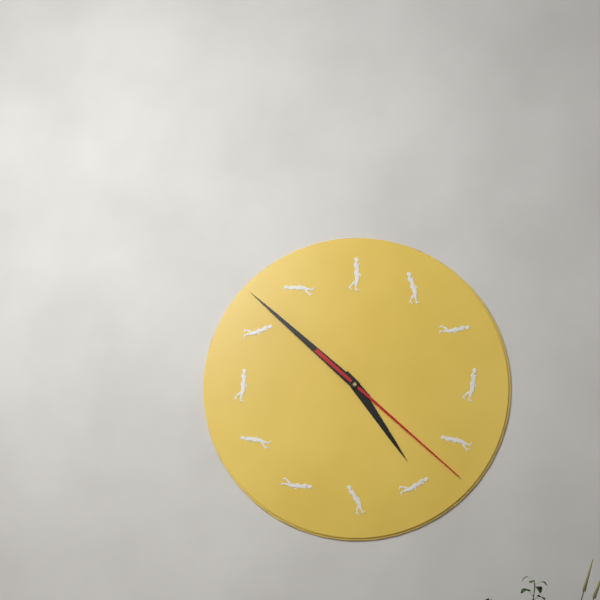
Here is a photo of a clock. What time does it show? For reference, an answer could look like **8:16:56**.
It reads **4:52:22**
